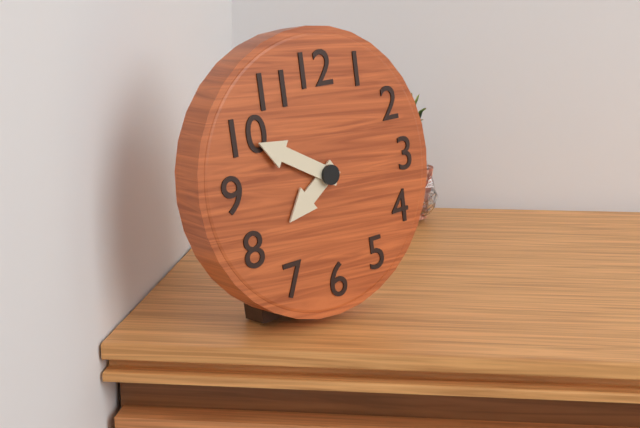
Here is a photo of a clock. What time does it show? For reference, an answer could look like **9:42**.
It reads **7:50**
